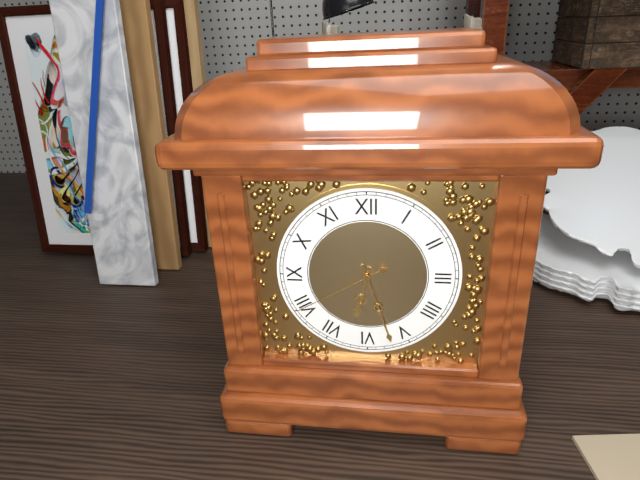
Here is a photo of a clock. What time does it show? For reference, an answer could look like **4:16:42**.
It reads **6:27:40**
